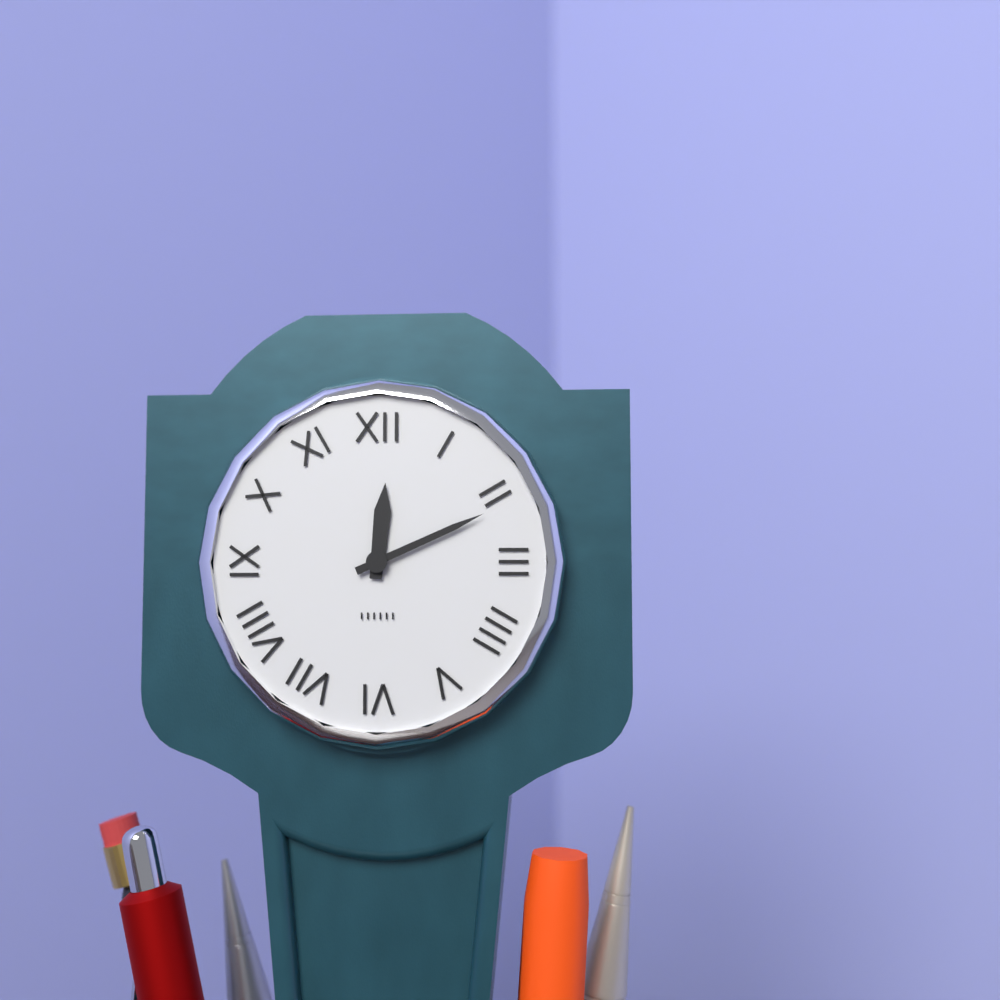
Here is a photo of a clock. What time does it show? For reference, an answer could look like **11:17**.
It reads **12:11**
